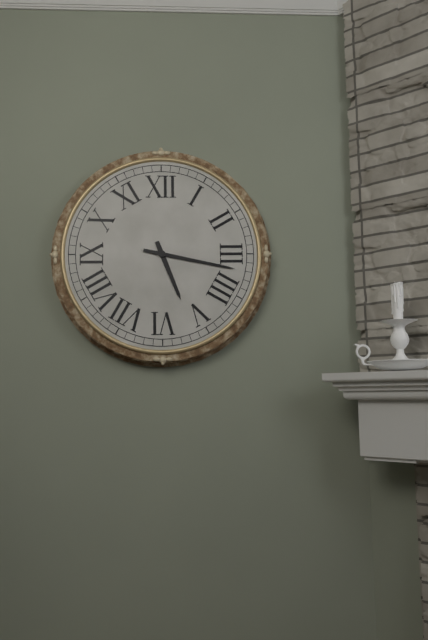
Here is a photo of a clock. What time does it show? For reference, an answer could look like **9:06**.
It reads **5:17**
